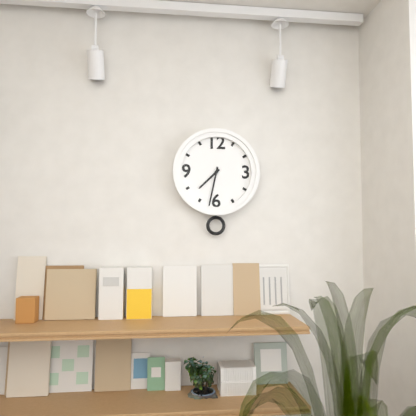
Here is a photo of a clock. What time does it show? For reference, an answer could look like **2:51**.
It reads **7:32**
